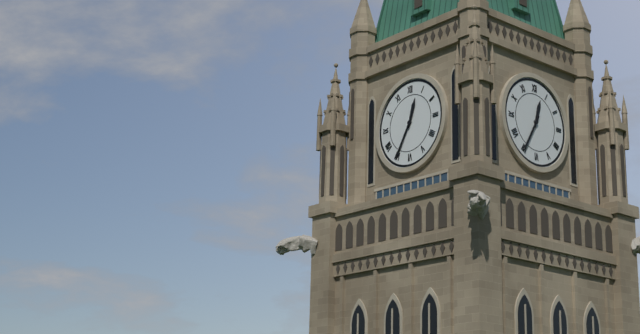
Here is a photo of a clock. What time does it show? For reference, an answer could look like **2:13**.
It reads **12:35**
